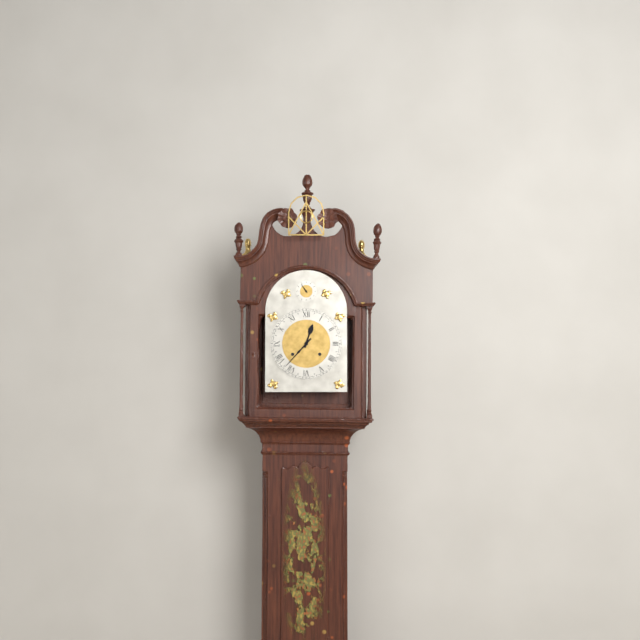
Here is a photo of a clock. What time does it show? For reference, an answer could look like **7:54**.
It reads **12:37**
